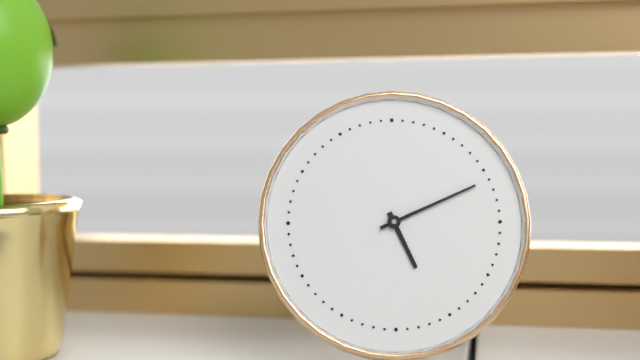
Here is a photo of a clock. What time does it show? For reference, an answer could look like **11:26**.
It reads **5:11**
